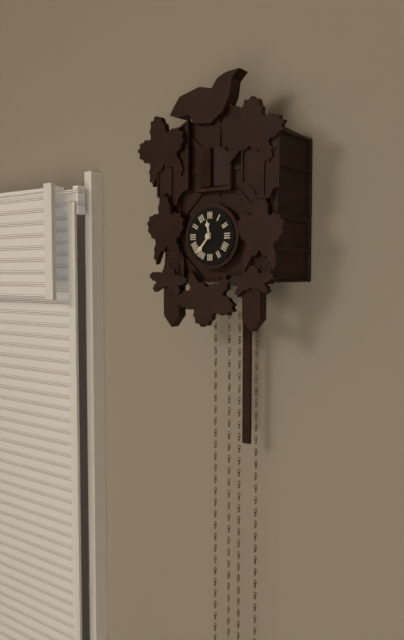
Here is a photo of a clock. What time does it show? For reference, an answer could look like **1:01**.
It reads **11:37**
